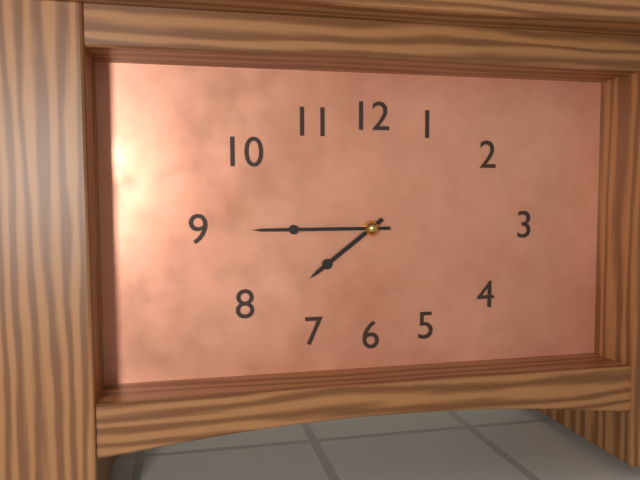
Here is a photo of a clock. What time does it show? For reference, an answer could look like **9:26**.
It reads **7:45**
